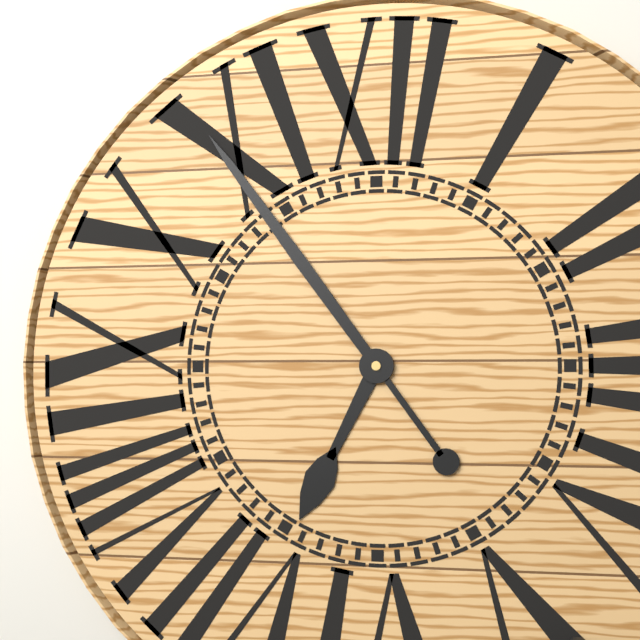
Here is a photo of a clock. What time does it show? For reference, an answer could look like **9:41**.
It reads **6:54**
